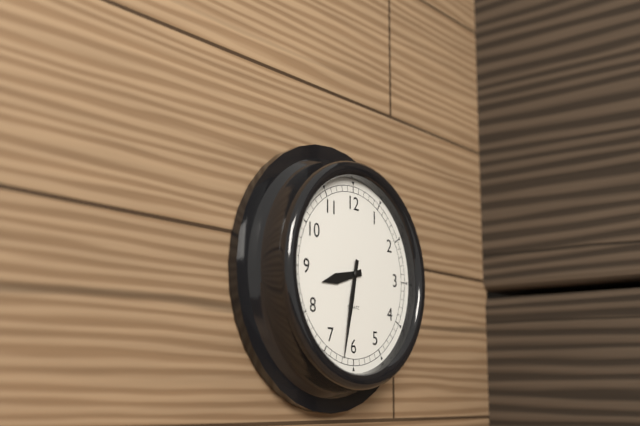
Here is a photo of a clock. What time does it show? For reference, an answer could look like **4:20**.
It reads **8:32**
